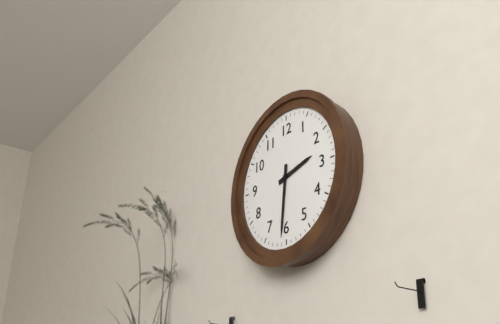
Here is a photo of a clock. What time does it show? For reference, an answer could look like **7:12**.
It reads **2:31**
